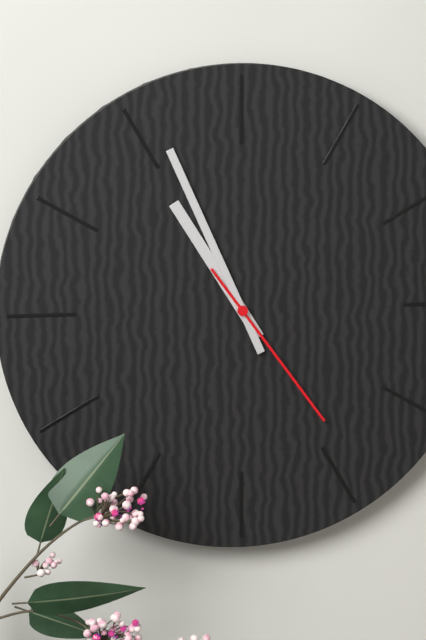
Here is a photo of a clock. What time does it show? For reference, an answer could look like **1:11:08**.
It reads **10:56:24**
